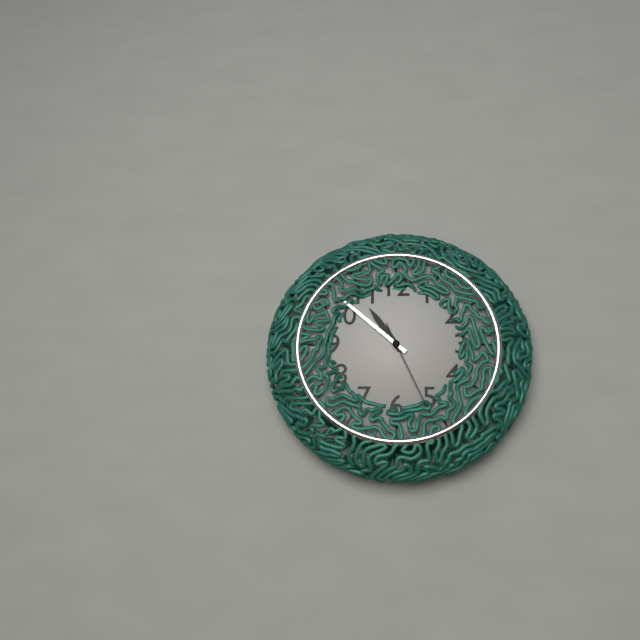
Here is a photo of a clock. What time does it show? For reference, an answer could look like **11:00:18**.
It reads **10:52:26**
